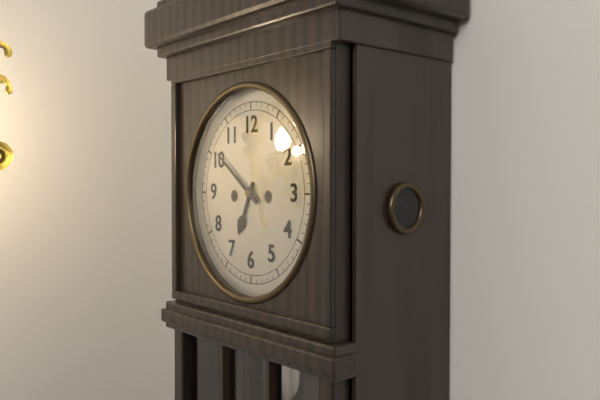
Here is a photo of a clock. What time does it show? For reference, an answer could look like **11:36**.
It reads **6:51**
